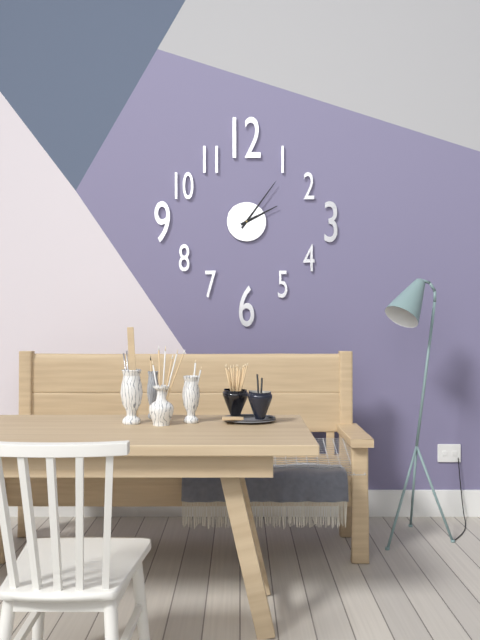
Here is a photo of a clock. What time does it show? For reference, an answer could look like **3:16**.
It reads **2:06**
